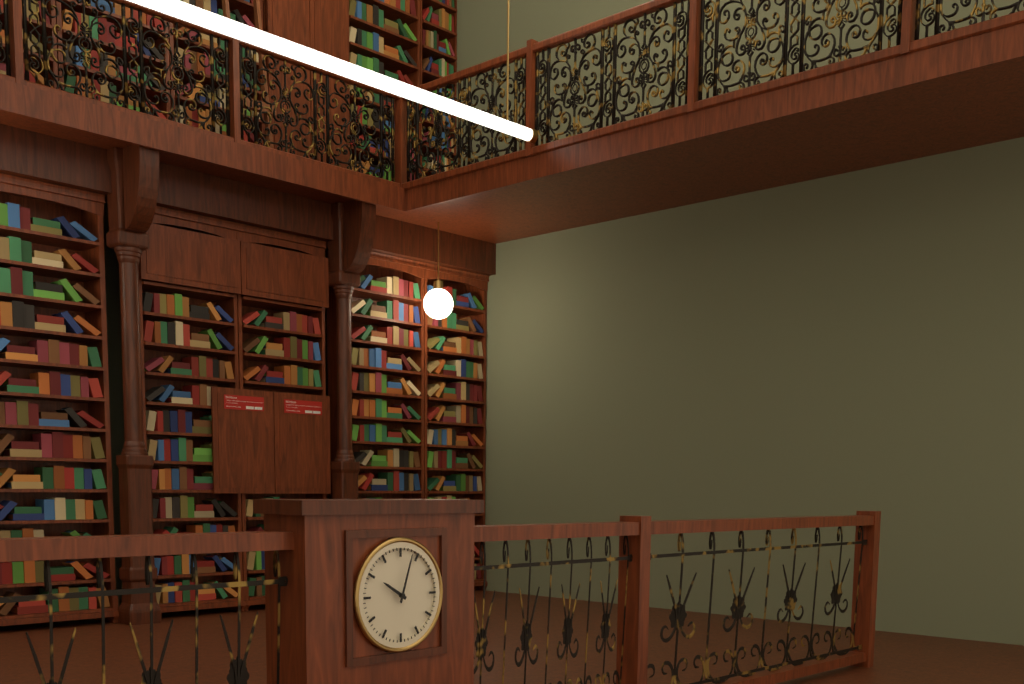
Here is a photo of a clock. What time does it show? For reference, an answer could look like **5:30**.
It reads **10:03**
